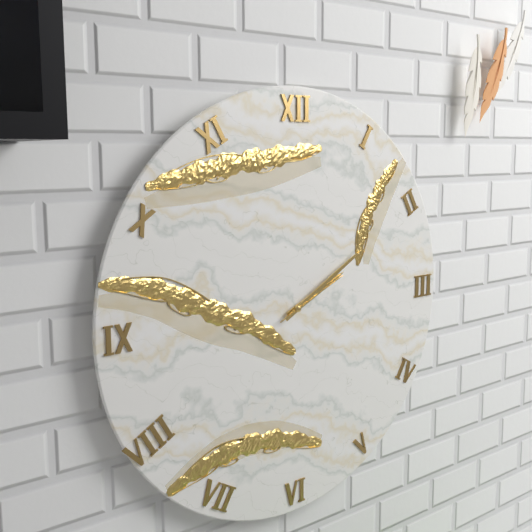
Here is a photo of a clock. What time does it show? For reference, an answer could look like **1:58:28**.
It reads **2:10:11**
